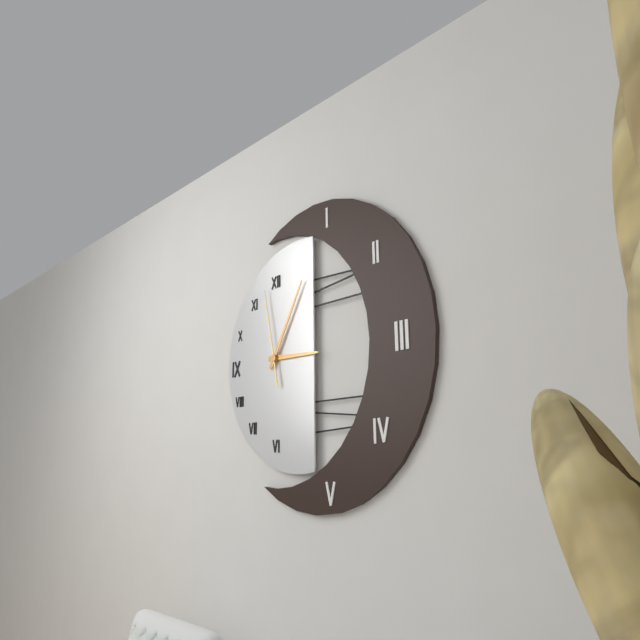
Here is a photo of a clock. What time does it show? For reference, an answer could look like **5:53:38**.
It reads **3:05:58**
